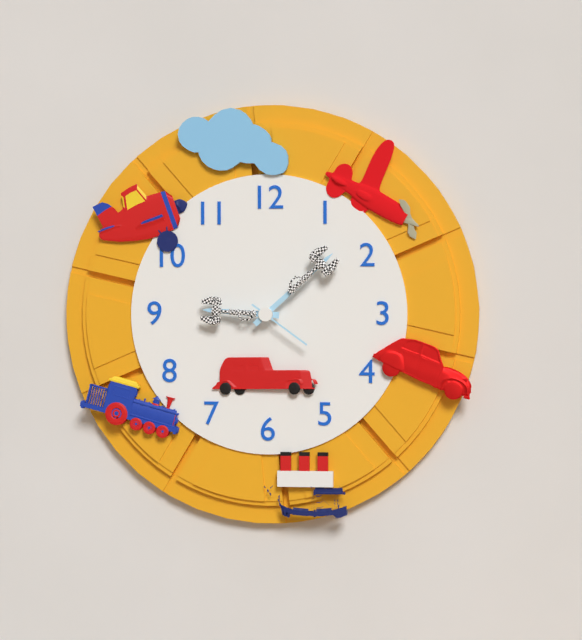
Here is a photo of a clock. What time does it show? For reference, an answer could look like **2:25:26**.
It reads **9:08:21**
